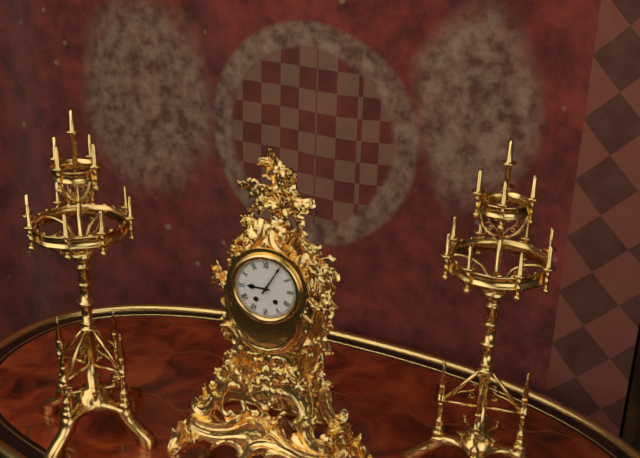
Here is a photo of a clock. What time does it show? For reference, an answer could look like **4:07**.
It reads **9:05**
